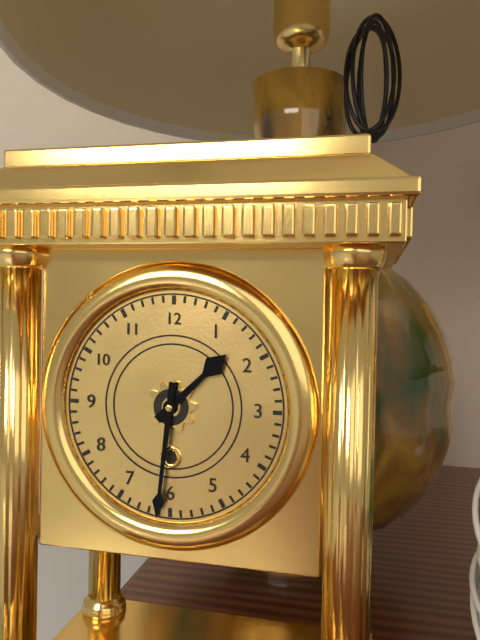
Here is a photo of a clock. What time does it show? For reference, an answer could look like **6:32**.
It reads **1:31**
